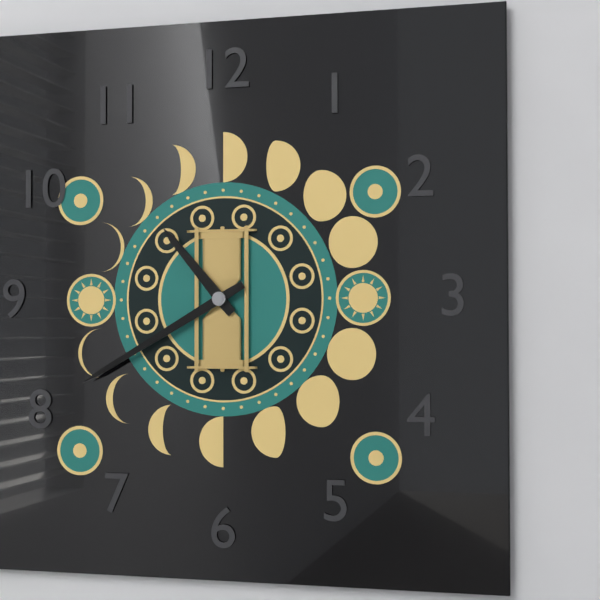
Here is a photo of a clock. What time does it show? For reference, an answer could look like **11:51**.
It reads **10:40**
